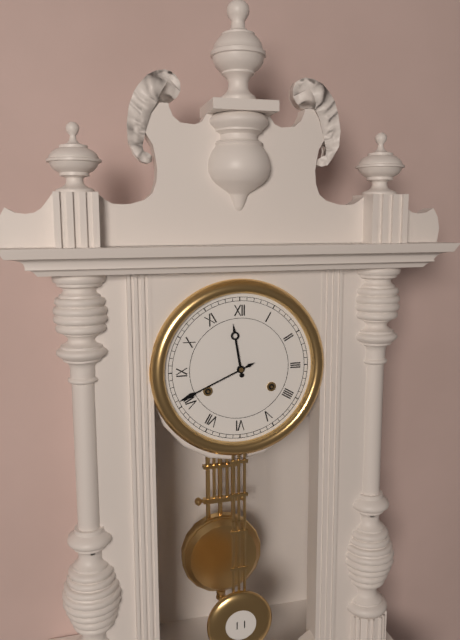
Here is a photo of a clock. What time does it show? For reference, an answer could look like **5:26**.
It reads **11:41**
